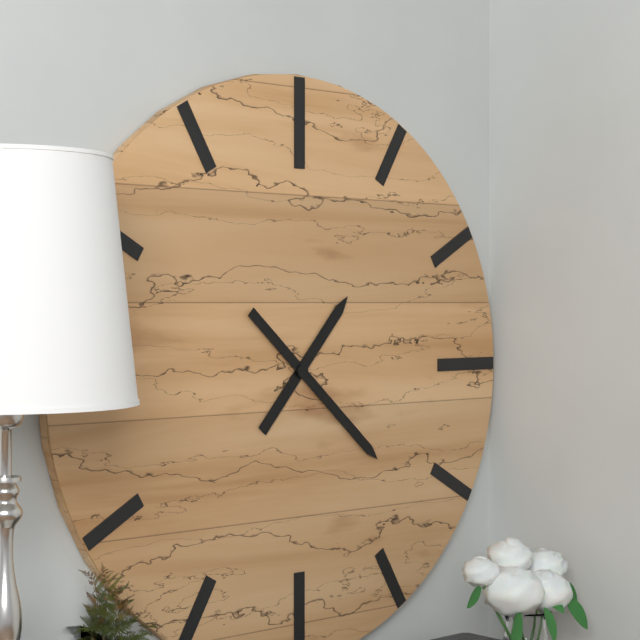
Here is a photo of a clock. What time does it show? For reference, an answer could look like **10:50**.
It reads **1:22**
